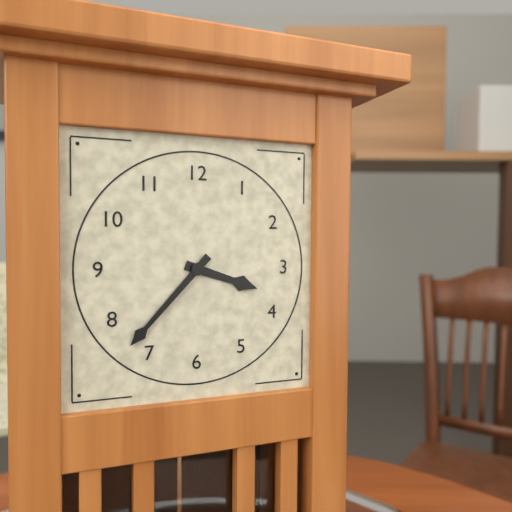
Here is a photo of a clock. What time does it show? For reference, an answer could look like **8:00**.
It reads **3:37**
